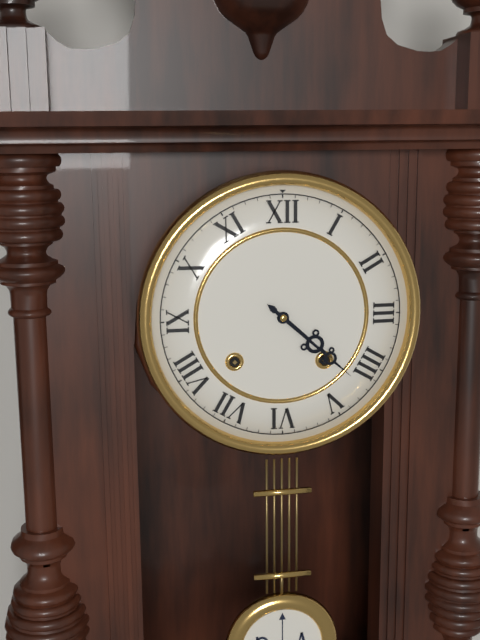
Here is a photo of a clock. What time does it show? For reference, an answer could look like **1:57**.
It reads **4:22**
